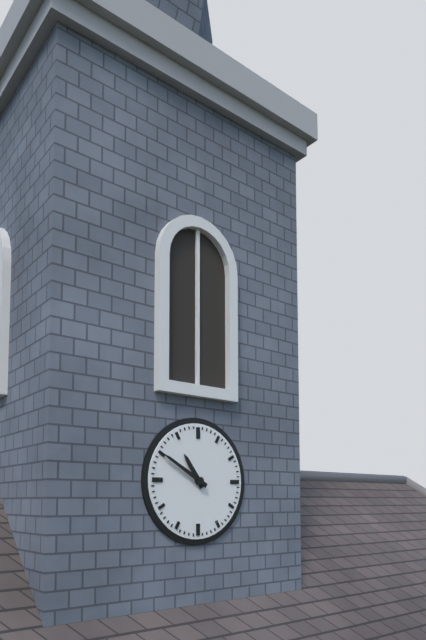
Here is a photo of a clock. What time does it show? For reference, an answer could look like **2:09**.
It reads **10:50**
